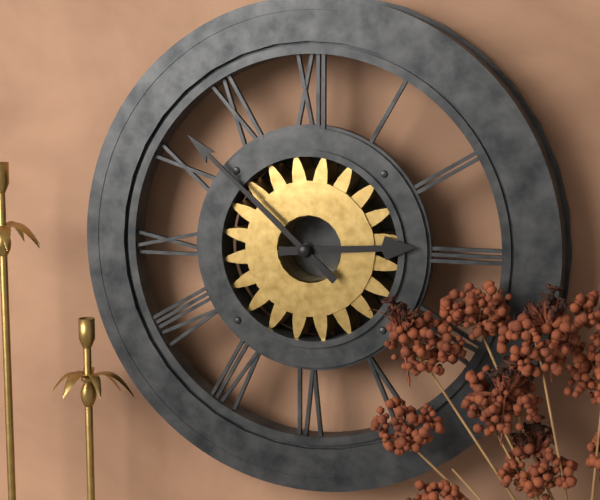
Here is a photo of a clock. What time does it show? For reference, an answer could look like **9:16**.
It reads **2:52**
